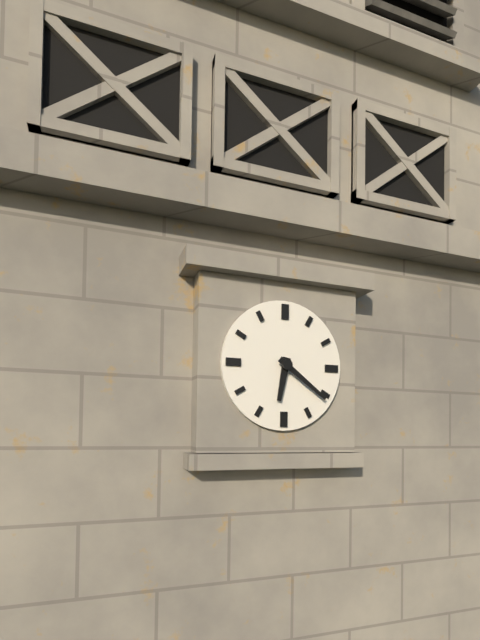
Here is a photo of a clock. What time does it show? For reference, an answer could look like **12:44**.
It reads **6:21**
